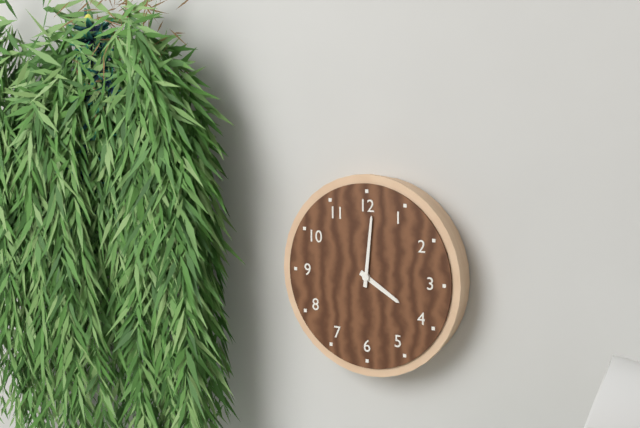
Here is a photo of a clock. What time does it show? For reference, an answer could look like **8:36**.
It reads **4:01**
